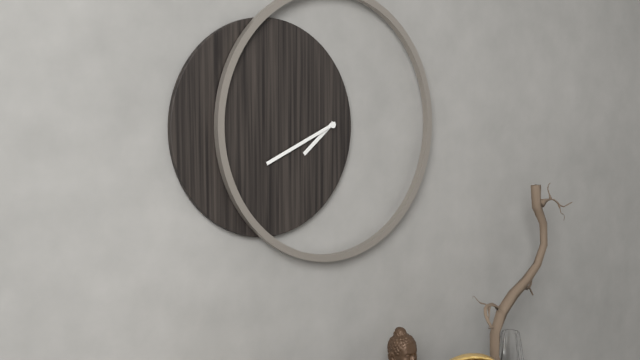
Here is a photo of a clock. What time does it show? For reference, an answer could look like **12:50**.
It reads **7:41**
